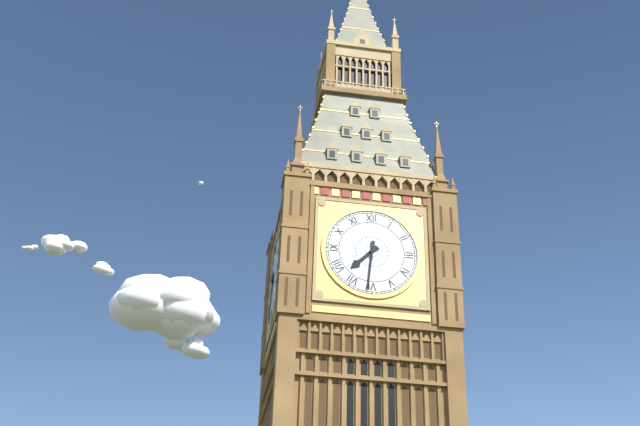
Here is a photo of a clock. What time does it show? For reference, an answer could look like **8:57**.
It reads **7:31**
